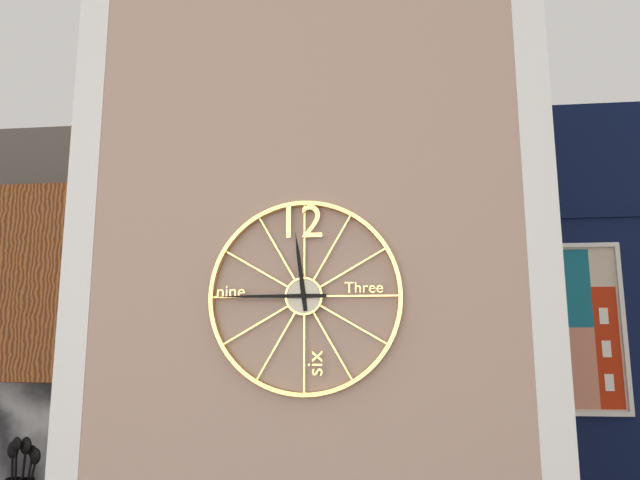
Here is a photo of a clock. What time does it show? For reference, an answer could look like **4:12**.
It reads **11:45**
